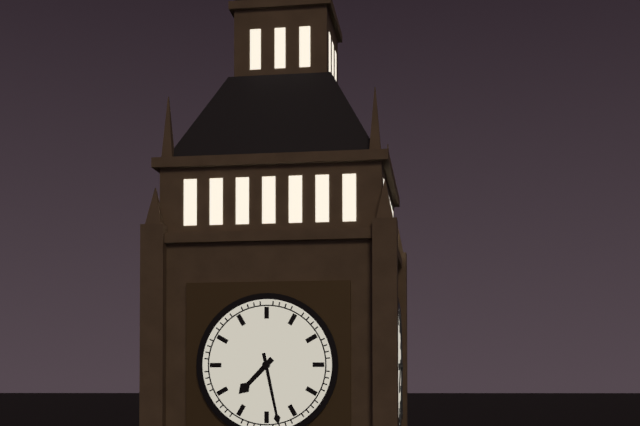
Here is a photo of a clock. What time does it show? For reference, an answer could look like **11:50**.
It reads **7:28**
